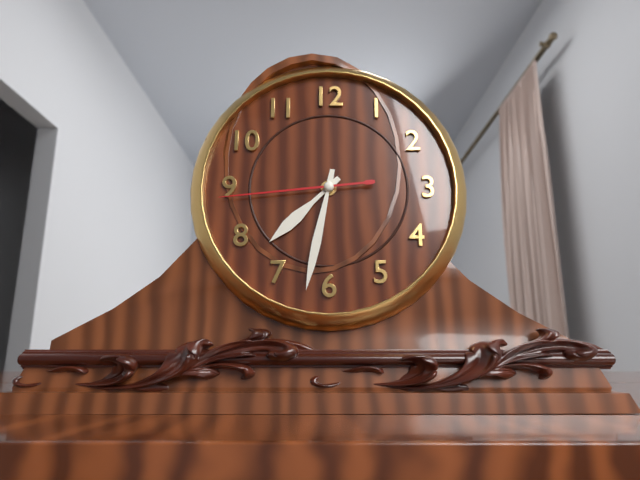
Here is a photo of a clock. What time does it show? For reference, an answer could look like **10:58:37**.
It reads **7:32:44**
